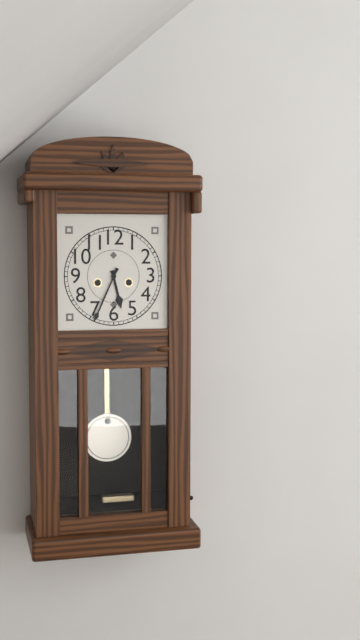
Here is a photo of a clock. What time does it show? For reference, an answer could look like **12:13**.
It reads **5:34**
